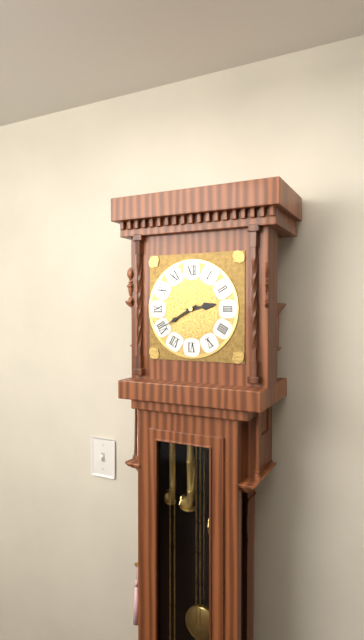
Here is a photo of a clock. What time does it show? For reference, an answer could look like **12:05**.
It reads **2:40**
